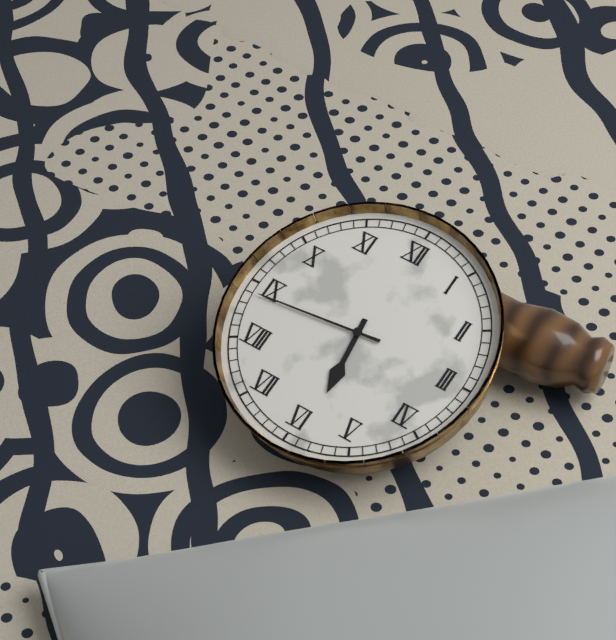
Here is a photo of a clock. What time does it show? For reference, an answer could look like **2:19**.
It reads **5:44**
